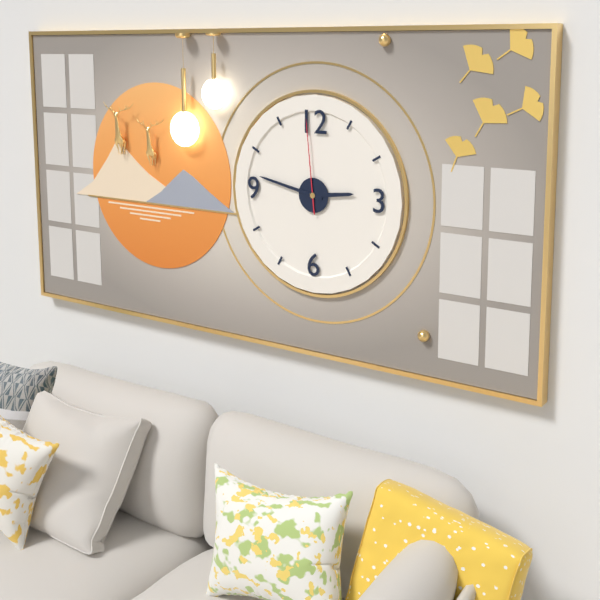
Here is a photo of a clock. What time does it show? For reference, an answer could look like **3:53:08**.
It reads **2:47:59**
